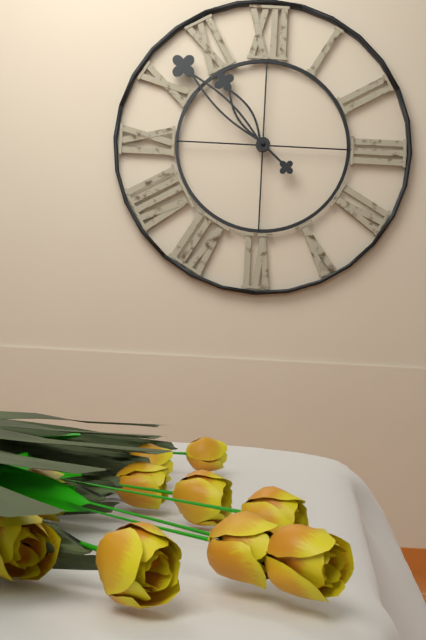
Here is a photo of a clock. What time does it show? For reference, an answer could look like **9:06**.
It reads **10:52**
